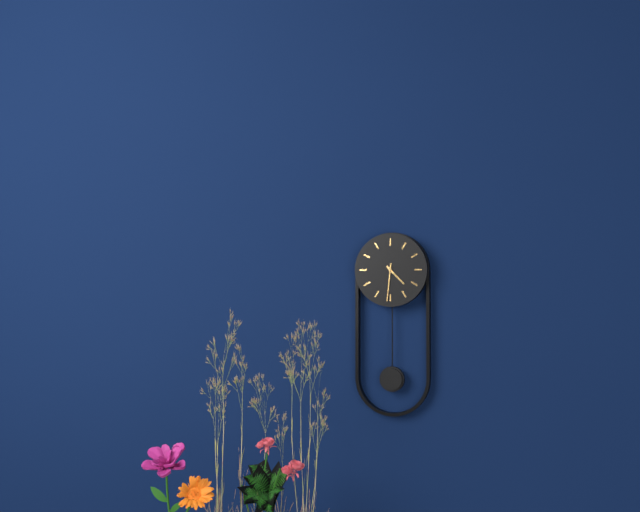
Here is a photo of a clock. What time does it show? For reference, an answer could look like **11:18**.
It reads **4:31**
